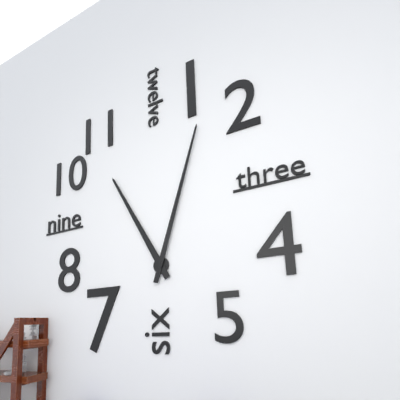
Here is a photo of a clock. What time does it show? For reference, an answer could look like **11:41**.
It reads **11:03**
